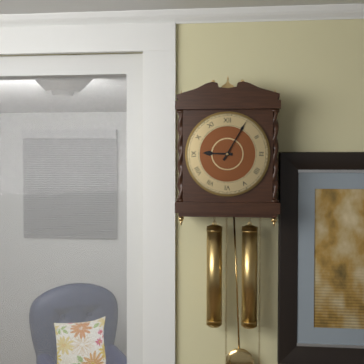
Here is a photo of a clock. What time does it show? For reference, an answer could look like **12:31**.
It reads **9:05**
